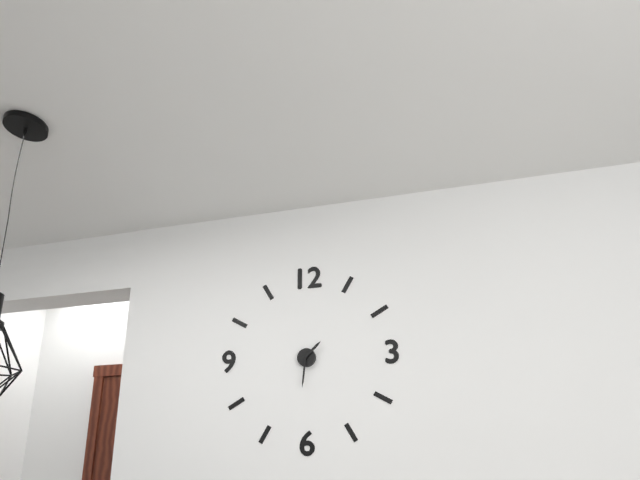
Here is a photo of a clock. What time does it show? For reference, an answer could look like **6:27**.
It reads **1:31**
